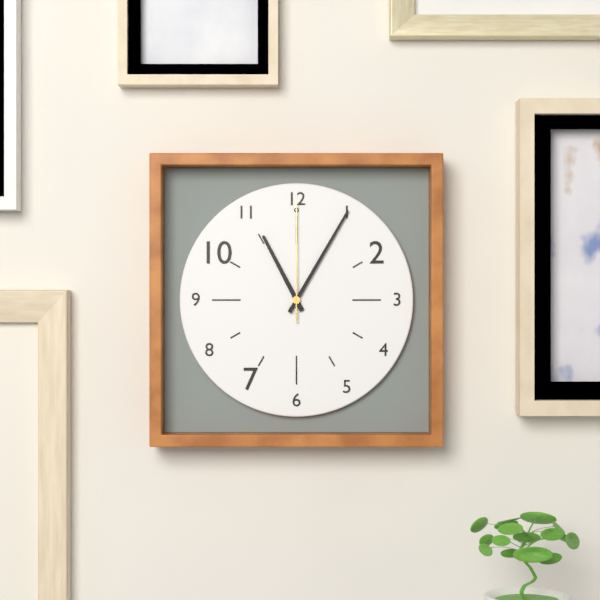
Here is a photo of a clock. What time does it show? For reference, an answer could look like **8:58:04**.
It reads **11:05:00**
